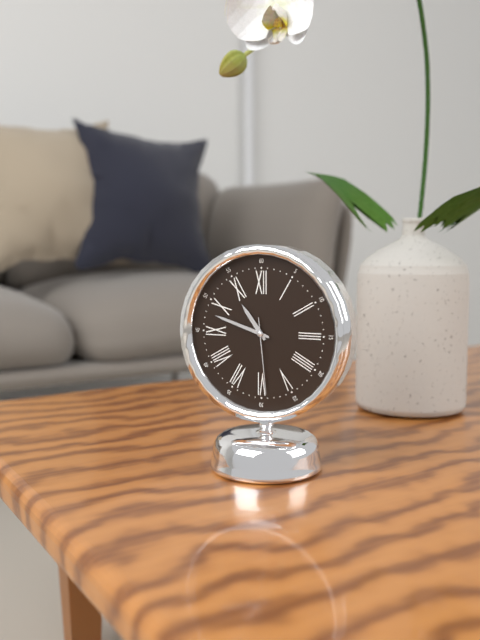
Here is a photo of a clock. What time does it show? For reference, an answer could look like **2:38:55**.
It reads **10:48:29**
